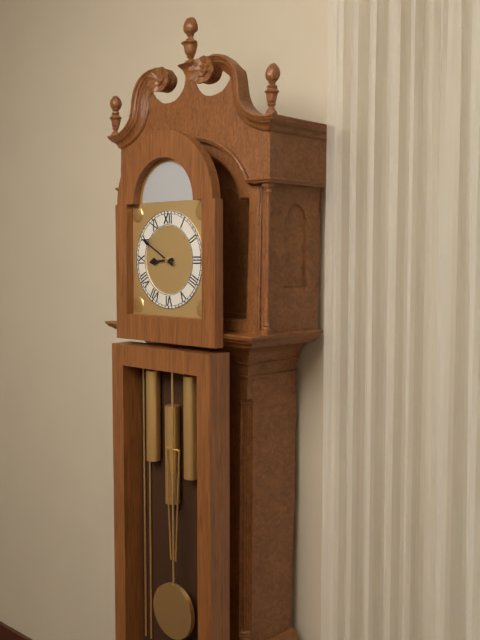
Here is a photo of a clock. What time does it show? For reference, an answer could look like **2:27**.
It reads **8:50**
